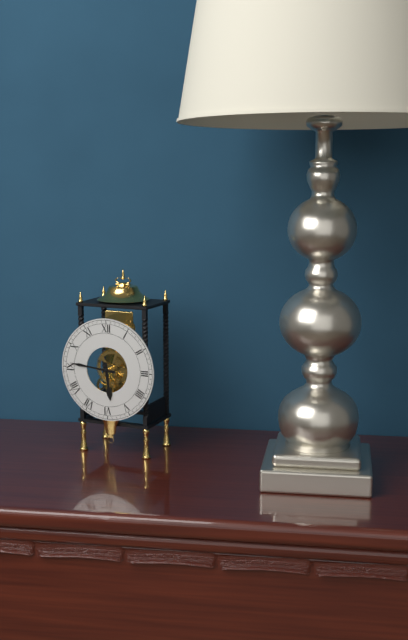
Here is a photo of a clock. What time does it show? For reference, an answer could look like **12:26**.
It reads **5:46**
